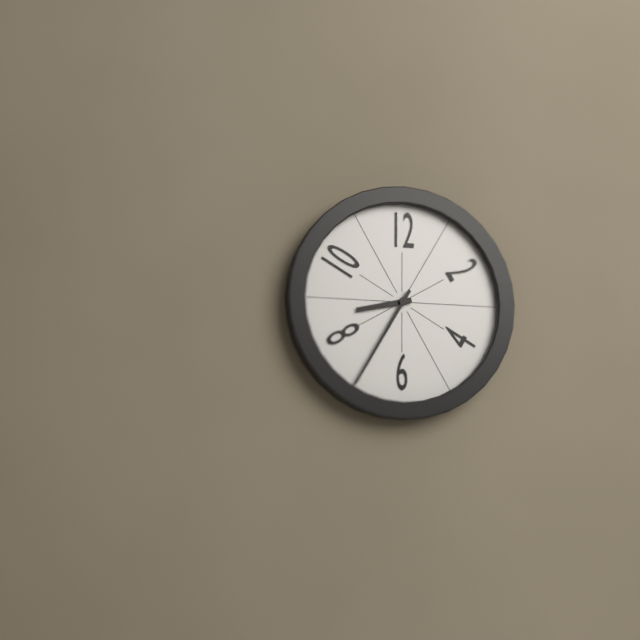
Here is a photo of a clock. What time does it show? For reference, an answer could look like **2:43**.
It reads **8:35**
